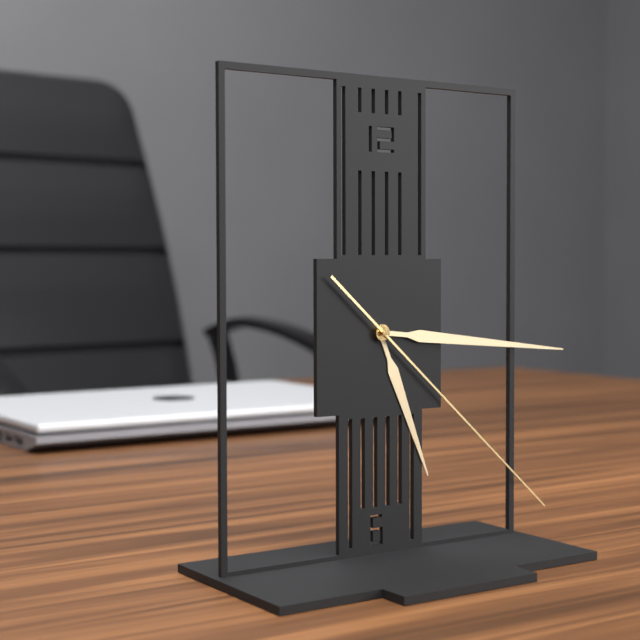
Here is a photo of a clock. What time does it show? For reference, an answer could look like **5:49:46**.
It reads **5:16:22**
